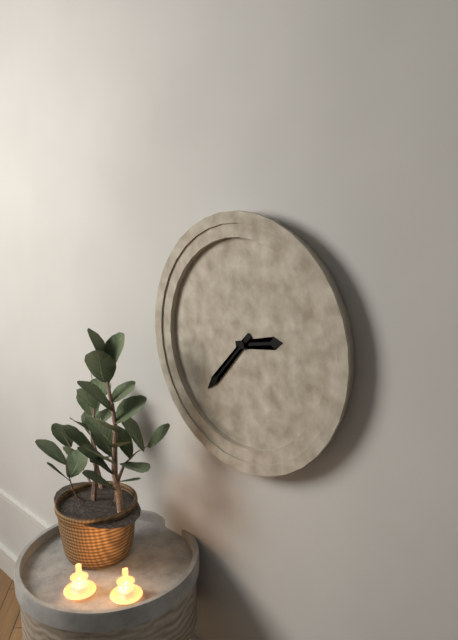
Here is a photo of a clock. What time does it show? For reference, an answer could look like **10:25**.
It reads **2:37**
